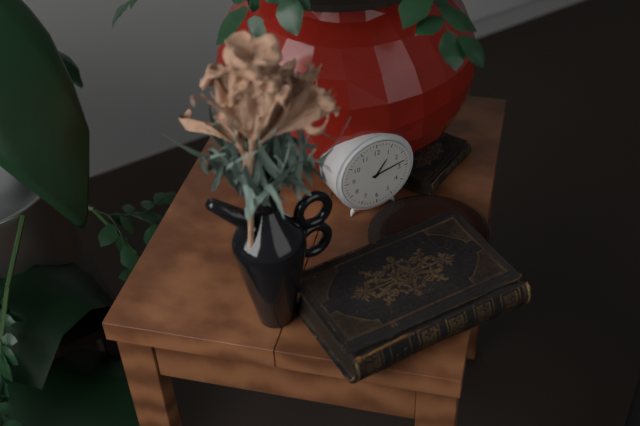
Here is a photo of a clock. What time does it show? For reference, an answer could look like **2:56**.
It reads **1:13**
